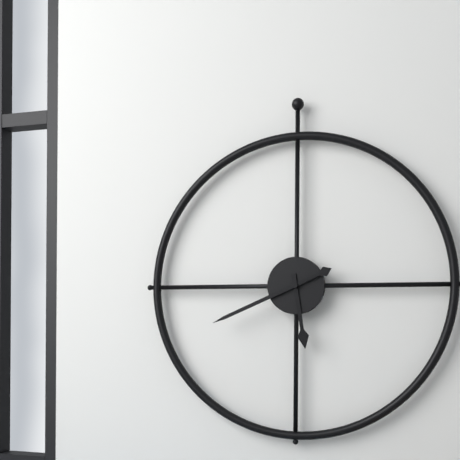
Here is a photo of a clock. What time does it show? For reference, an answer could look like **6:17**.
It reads **5:41**
